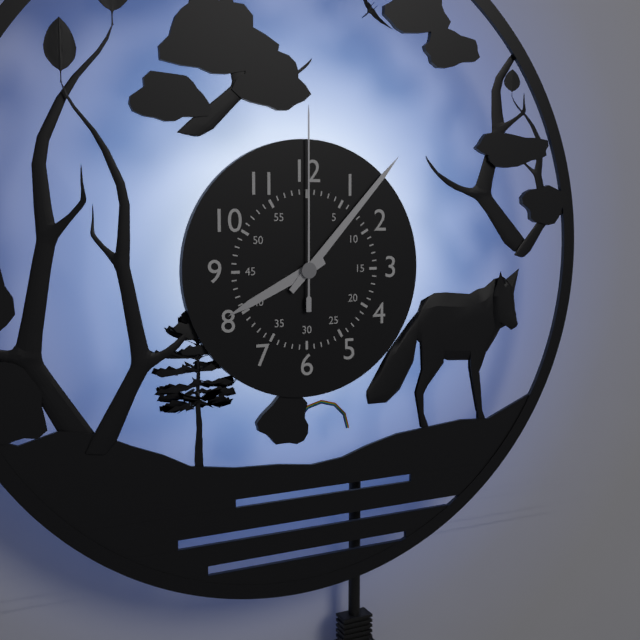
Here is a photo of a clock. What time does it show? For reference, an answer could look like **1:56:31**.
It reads **8:07:00**
